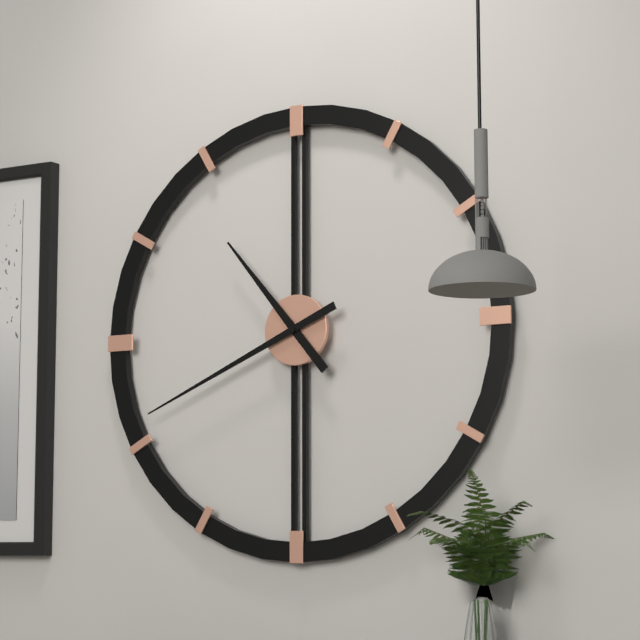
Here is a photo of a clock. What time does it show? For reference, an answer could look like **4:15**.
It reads **10:41**
